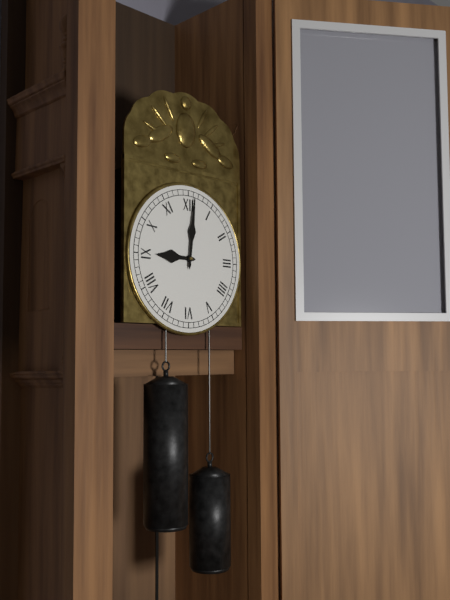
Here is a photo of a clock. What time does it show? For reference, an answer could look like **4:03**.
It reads **9:01**
